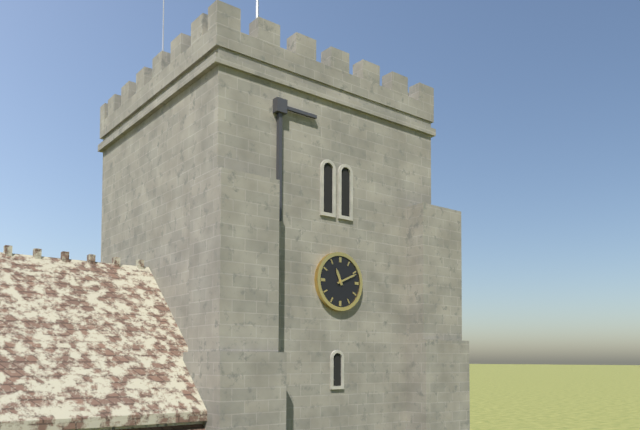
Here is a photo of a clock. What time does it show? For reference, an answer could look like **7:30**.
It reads **11:11**
